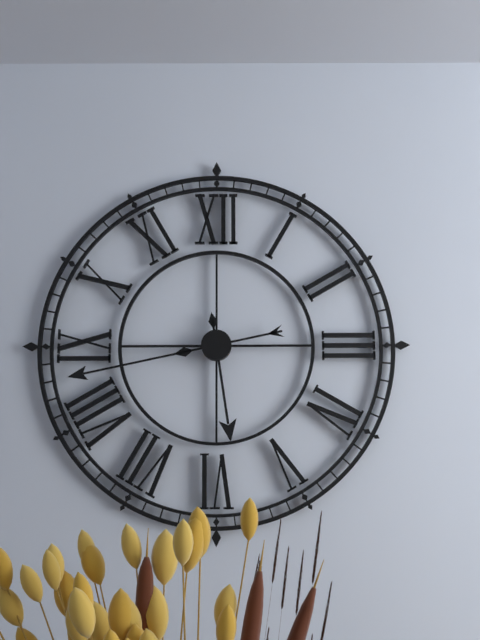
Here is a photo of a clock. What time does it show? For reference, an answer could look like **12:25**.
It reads **5:43**
